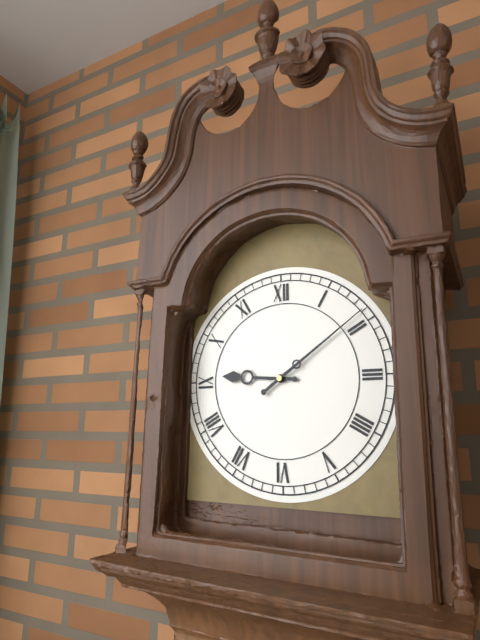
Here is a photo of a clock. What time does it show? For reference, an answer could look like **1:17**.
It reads **9:09**
